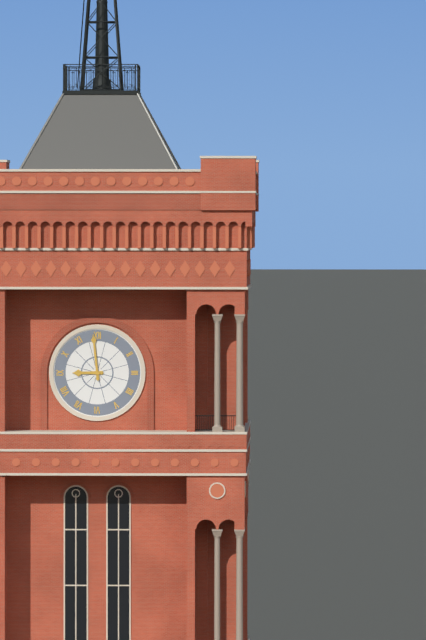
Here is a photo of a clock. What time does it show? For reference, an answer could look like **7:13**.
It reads **8:59**
